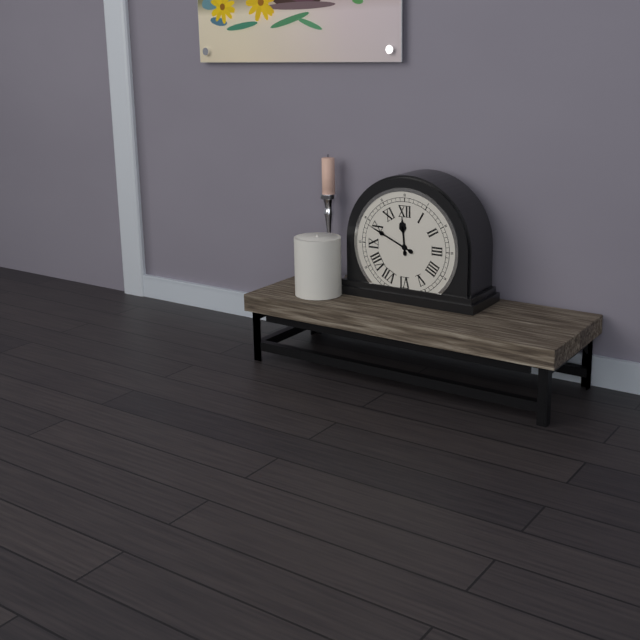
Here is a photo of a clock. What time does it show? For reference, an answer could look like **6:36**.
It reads **11:49**
